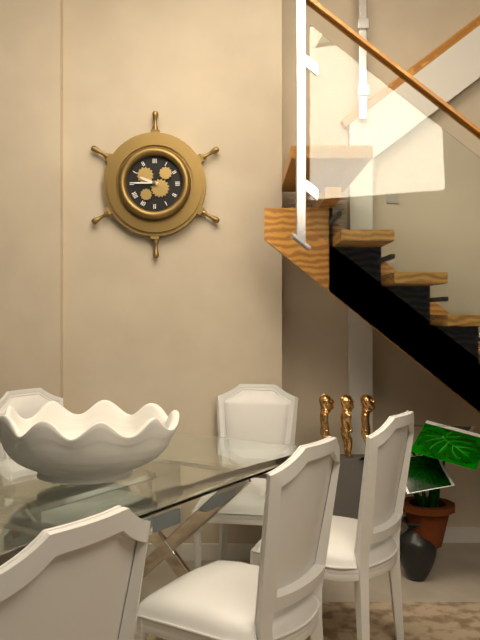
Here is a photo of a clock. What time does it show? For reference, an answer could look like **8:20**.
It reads **9:45**
